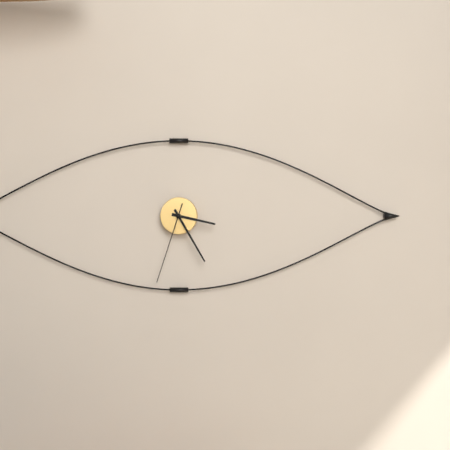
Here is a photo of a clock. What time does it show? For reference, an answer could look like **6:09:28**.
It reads **3:25:33**
